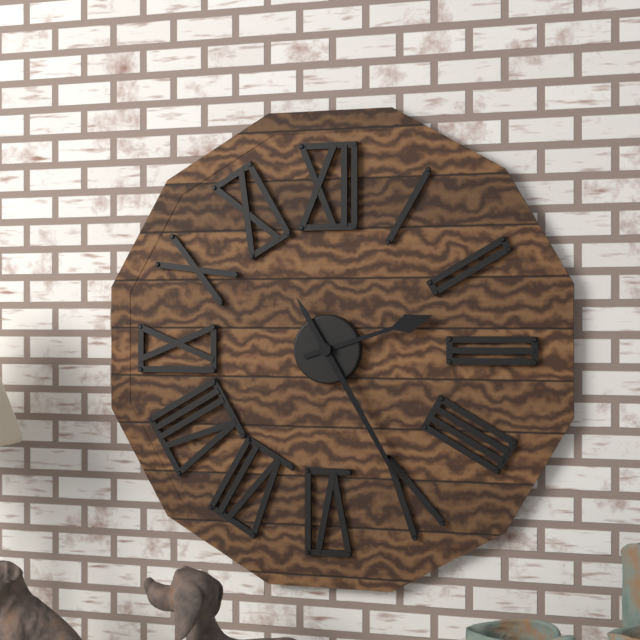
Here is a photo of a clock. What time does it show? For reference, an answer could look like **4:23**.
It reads **2:25**
